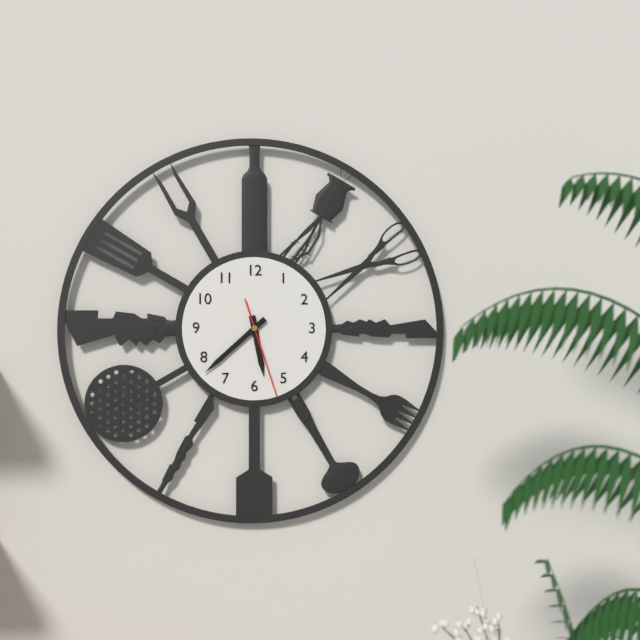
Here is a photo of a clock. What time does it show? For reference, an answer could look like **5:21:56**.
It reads **5:38:27**
